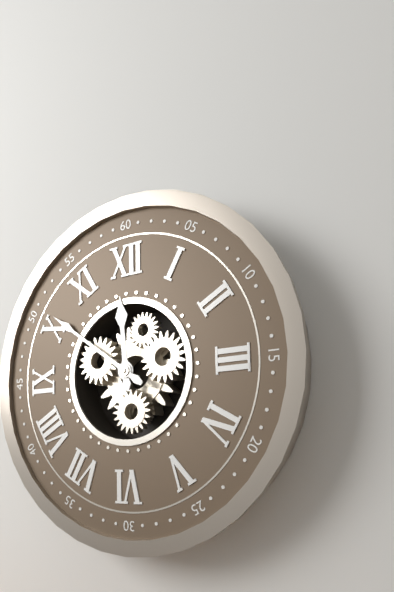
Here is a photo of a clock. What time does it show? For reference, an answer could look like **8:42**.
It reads **11:51**
